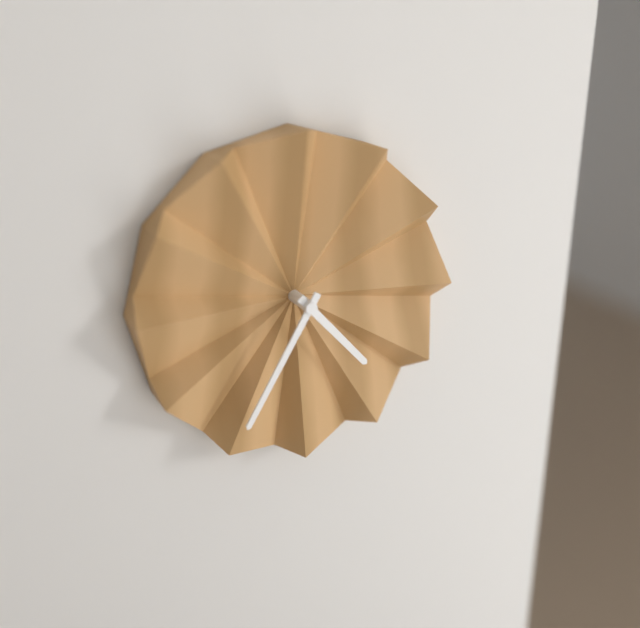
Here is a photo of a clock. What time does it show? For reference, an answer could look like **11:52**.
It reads **4:35**
